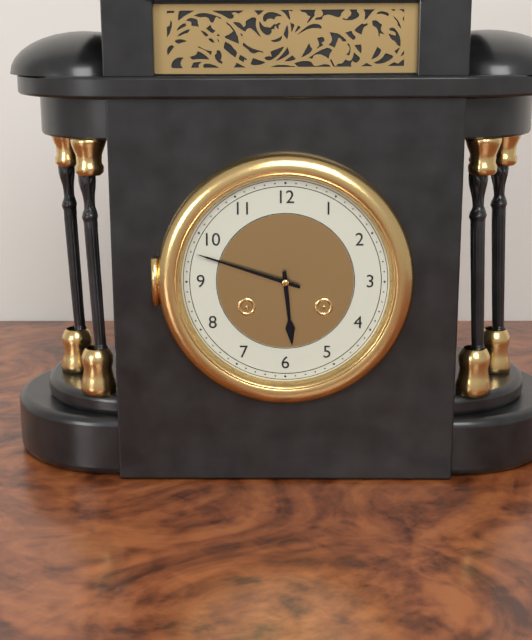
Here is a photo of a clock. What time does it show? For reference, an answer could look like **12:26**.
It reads **5:48**
